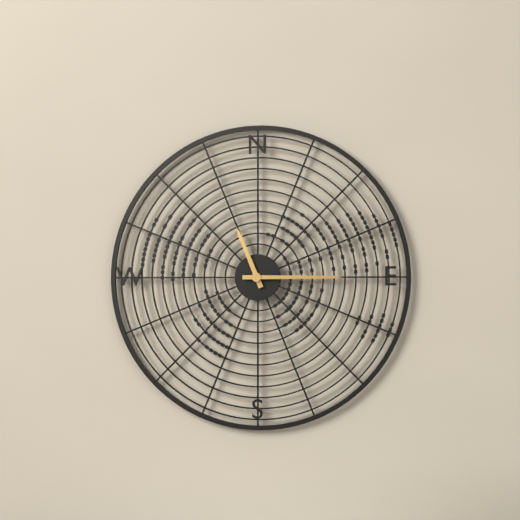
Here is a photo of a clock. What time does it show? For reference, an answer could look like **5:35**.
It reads **11:15**
